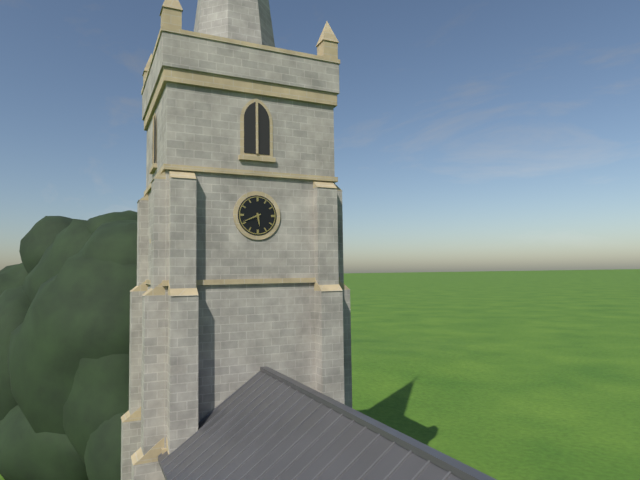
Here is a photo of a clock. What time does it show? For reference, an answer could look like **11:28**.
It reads **5:41**
